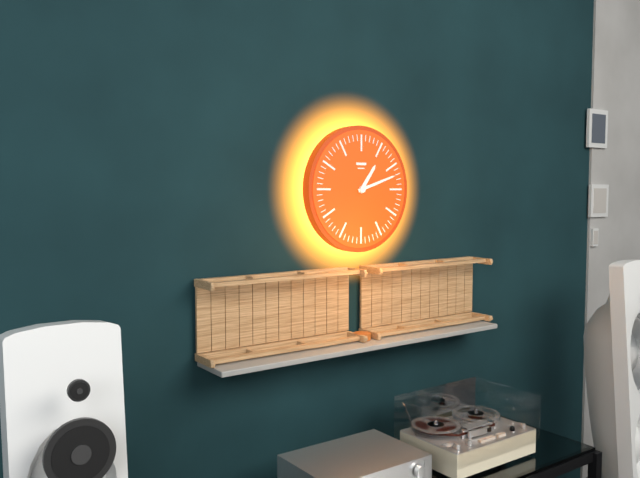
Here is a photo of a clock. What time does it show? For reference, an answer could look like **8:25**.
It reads **1:12**
